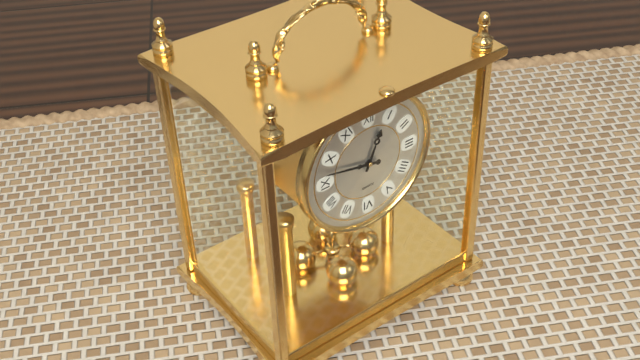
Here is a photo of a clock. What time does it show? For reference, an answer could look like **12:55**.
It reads **12:47**
